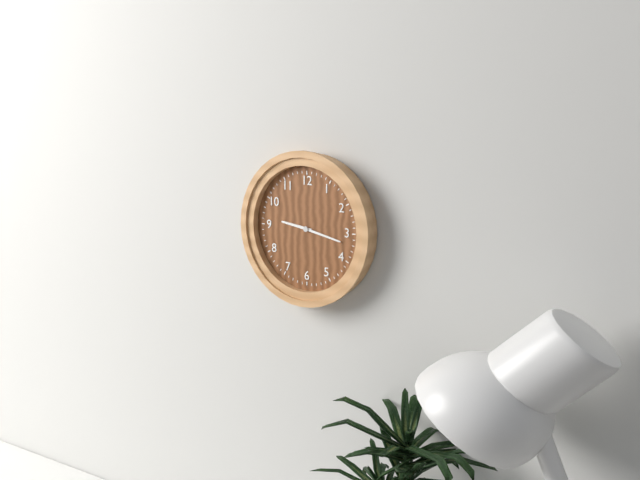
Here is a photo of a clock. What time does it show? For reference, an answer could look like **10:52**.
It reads **9:17**
